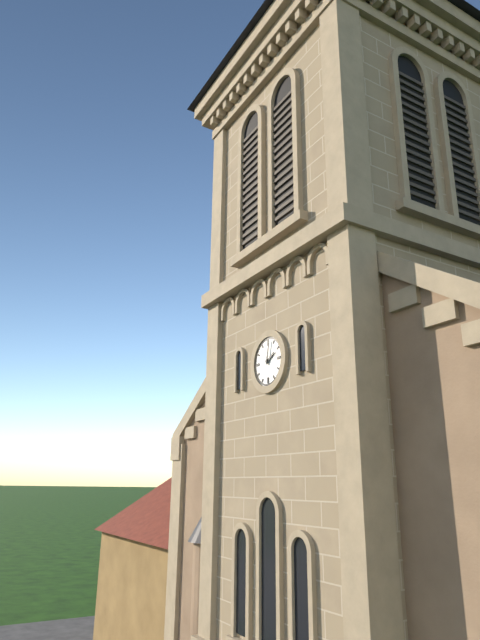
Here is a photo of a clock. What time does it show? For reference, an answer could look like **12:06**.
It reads **2:02**
